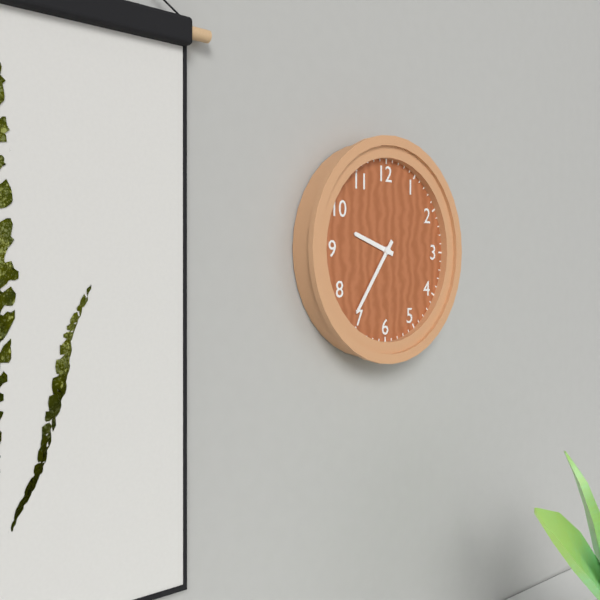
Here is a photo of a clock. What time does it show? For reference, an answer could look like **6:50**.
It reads **9:36**
